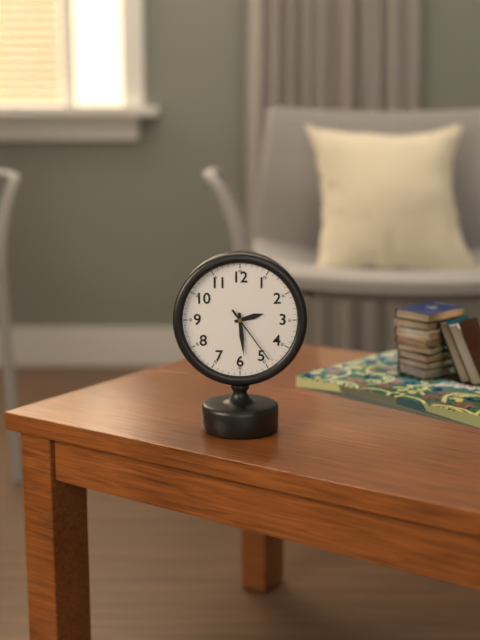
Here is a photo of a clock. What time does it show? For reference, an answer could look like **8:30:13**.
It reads **2:29:24**
